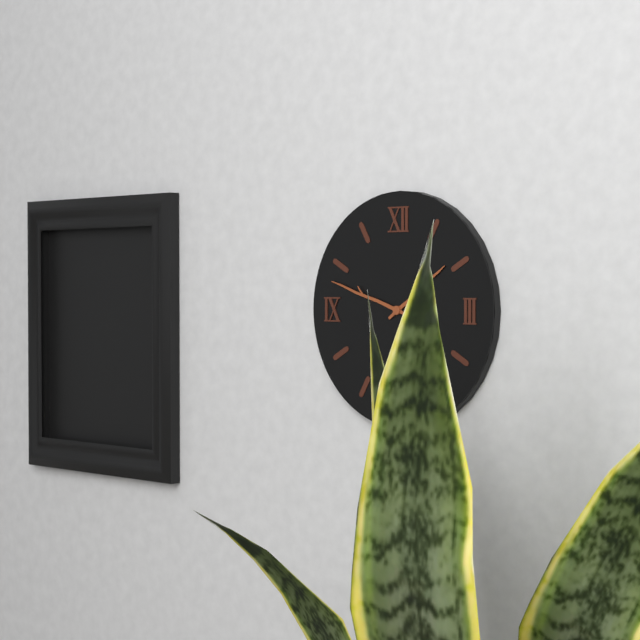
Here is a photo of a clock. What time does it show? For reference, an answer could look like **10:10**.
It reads **1:48**
